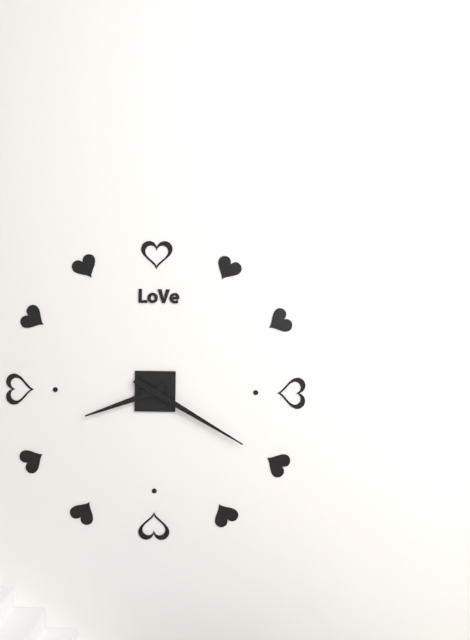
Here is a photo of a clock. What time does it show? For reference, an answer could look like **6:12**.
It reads **8:20**
